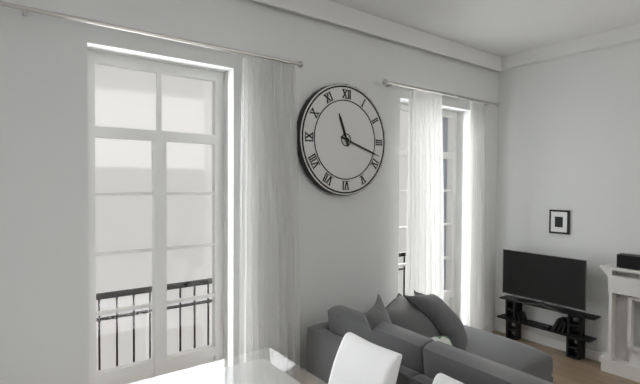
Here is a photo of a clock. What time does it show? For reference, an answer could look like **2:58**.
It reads **11:18**
